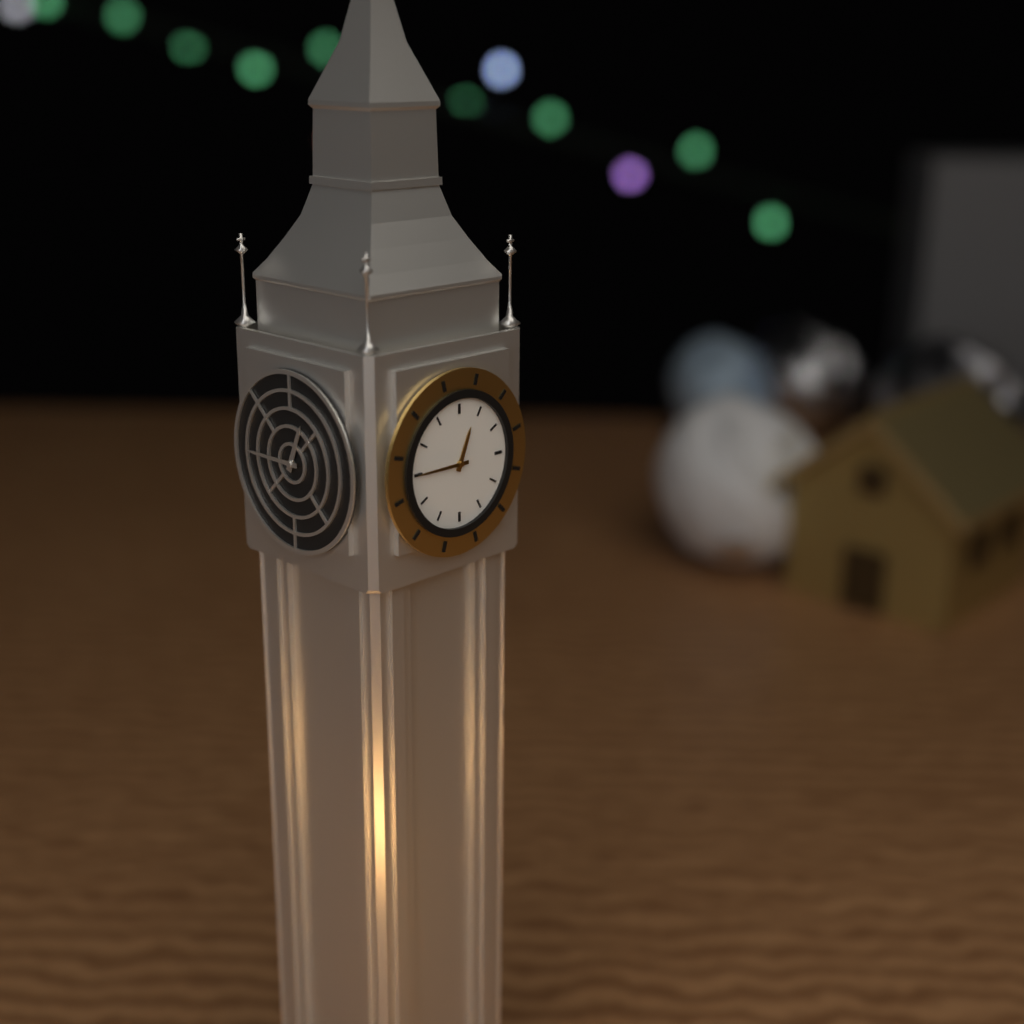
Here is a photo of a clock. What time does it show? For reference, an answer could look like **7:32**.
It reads **12:45**
